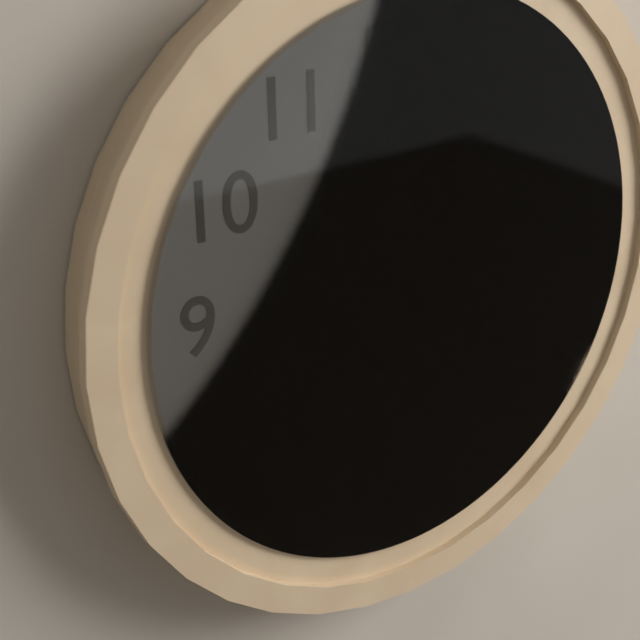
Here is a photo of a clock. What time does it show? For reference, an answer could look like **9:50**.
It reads **9:16**
